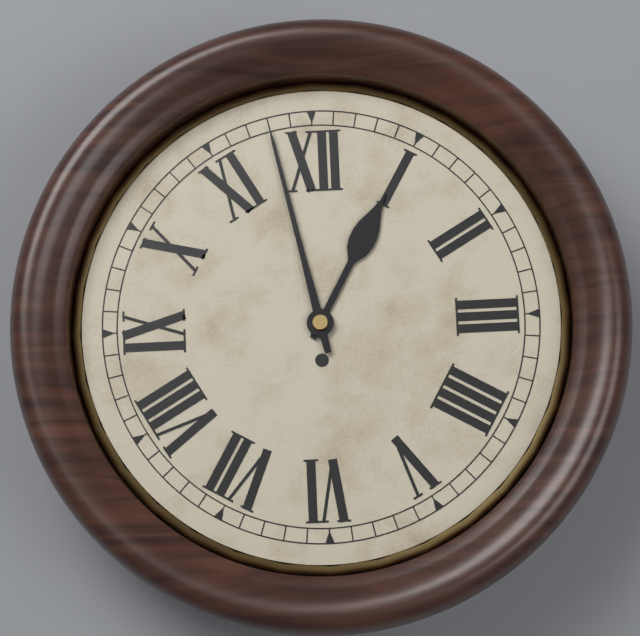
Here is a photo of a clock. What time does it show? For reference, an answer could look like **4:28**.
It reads **12:58**
